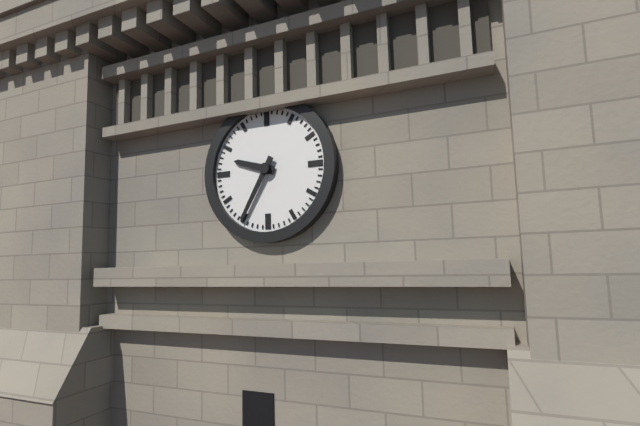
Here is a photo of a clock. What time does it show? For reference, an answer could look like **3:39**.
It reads **9:35**
